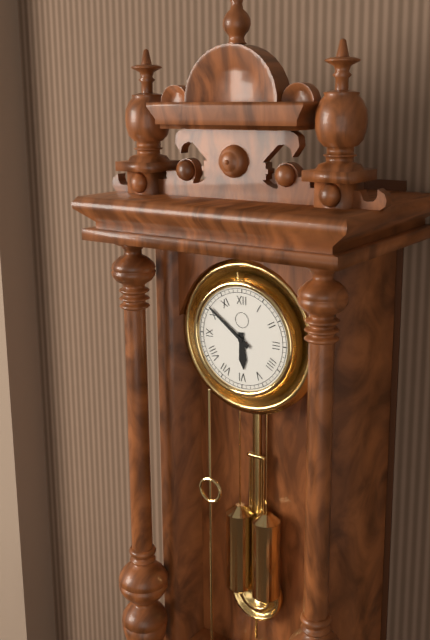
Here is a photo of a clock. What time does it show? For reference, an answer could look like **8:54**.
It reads **5:51**
